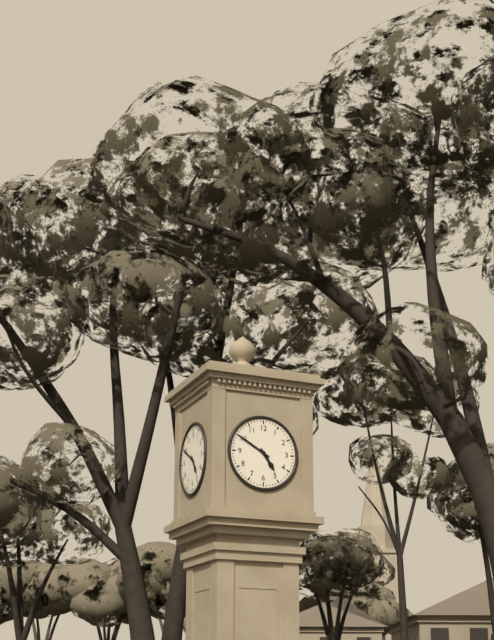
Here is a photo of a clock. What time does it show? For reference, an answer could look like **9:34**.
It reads **4:50**
